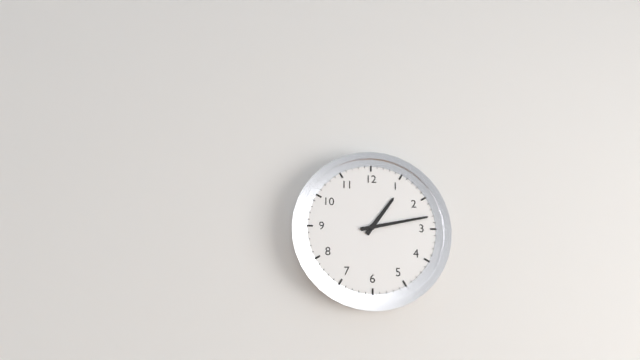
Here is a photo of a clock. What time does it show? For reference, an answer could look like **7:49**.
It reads **1:13**
